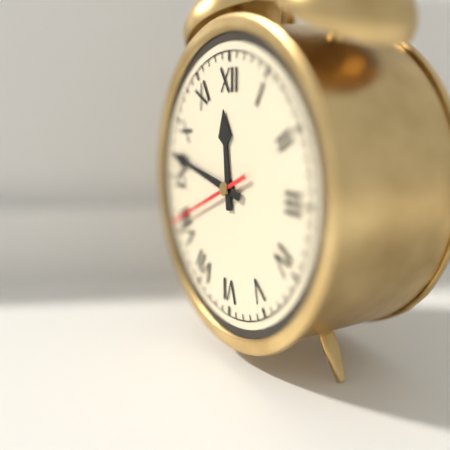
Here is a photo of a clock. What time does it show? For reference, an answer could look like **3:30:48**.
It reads **11:47:41**
